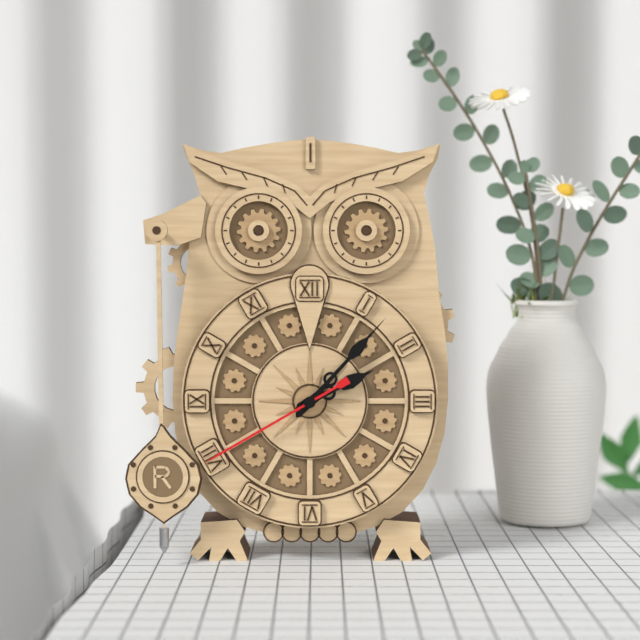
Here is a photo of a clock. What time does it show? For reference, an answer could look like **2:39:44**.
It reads **2:07:40**
